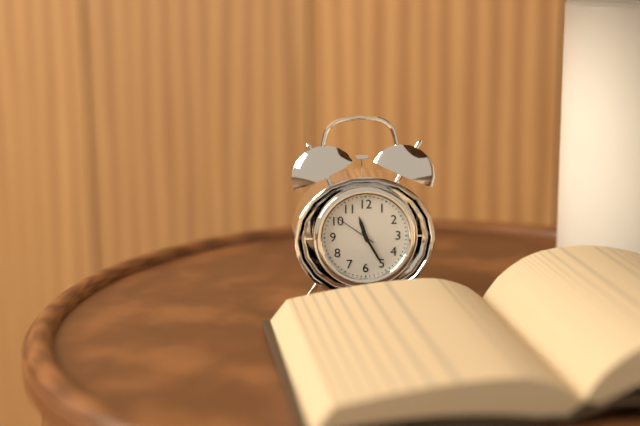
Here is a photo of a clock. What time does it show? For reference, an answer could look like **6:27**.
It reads **11:25**
